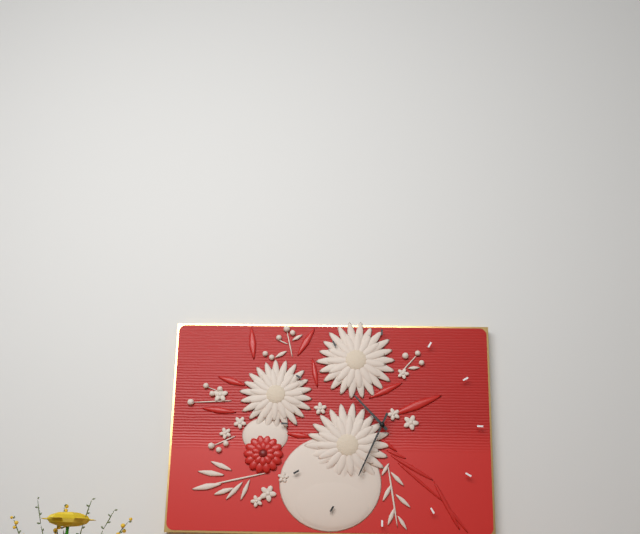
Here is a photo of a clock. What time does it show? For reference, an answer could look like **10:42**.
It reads **10:34**
